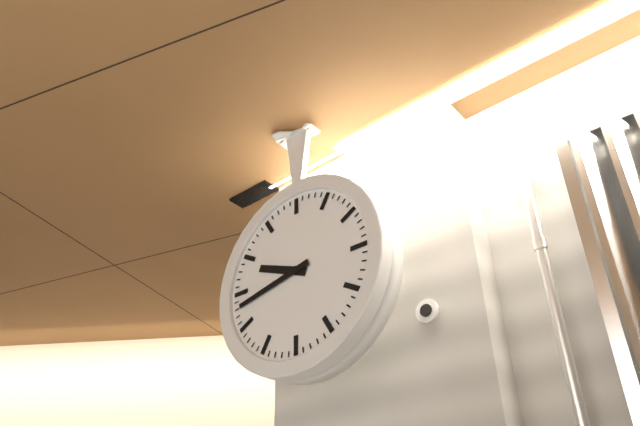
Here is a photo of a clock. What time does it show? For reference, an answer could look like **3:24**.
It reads **9:43**
